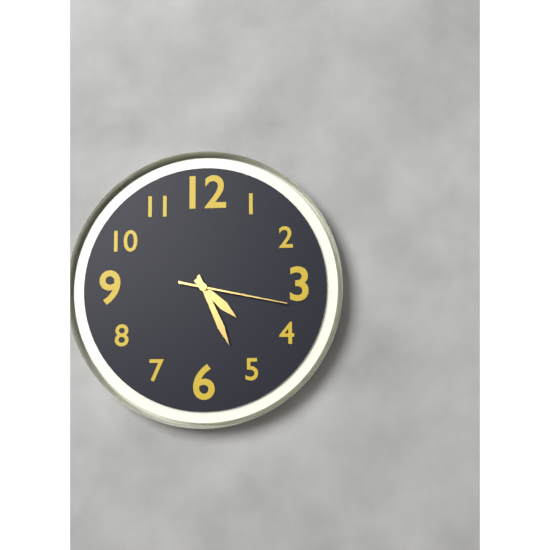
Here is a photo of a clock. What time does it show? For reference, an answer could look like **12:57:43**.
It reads **4:26:17**
